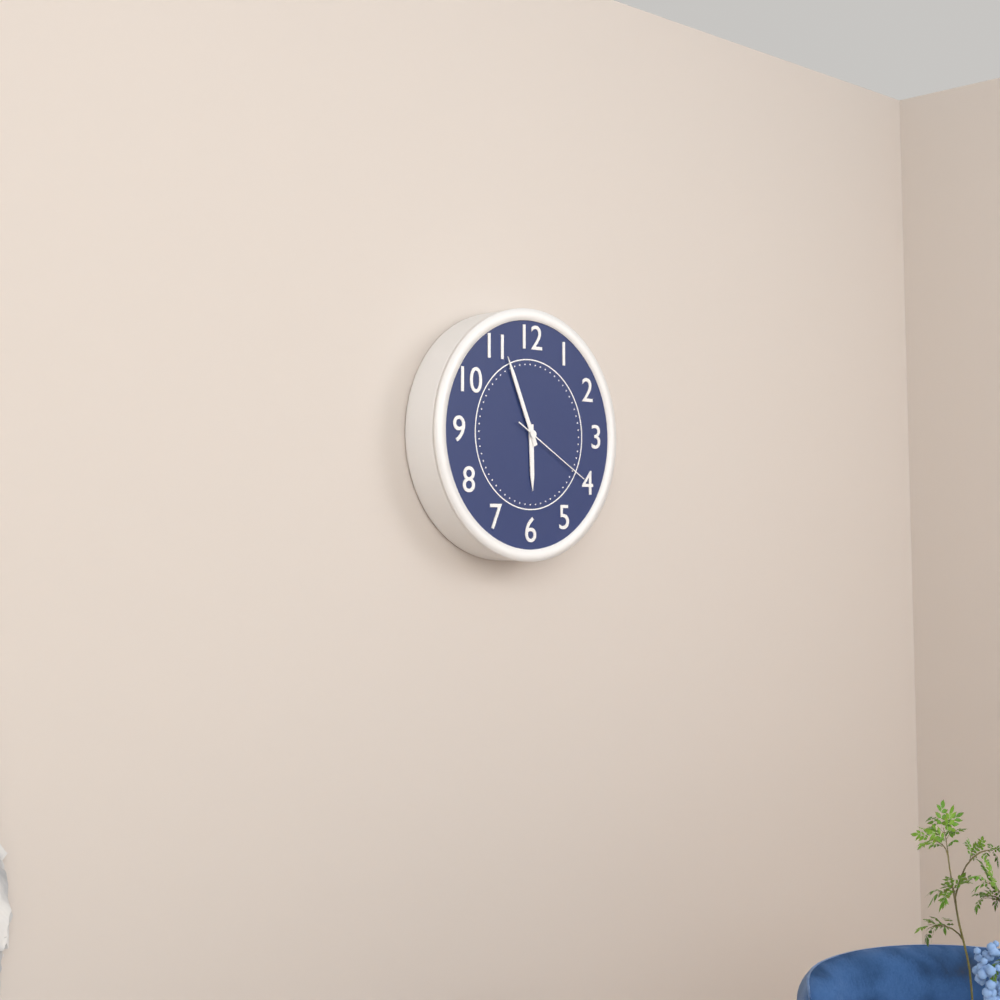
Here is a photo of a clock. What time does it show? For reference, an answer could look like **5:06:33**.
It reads **5:56:20**
